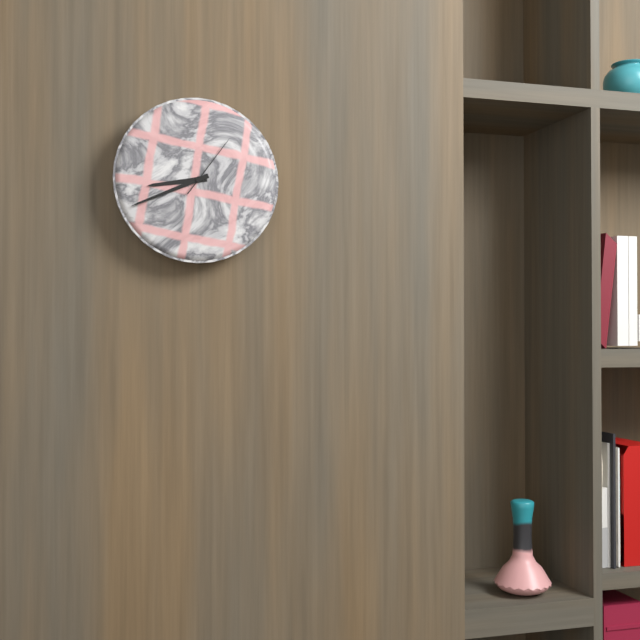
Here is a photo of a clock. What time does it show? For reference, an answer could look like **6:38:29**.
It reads **8:41:06**
